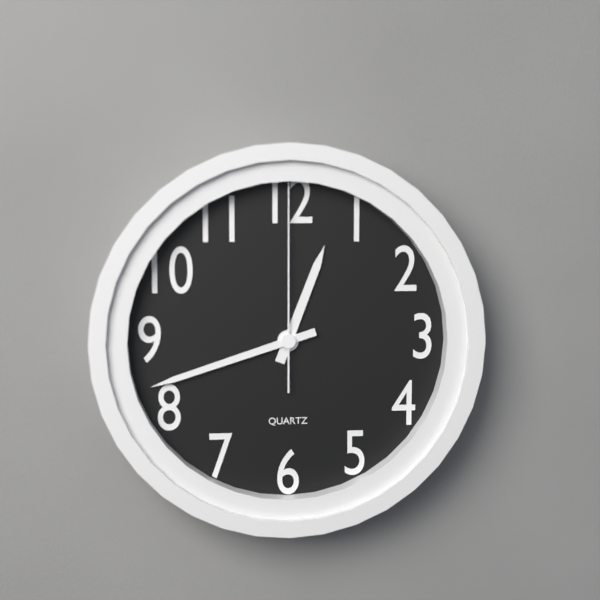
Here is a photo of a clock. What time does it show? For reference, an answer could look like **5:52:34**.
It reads **12:42:00**
